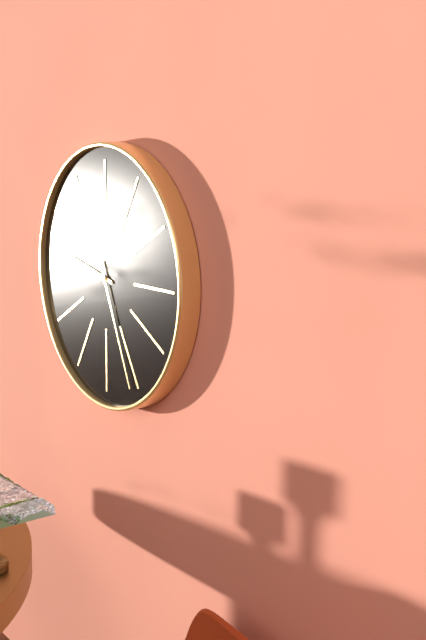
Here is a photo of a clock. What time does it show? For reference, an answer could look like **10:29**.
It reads **9:26**
